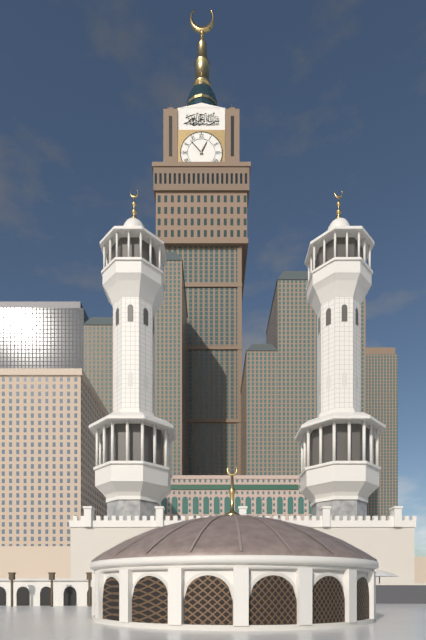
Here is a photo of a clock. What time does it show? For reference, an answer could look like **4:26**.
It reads **12:53**
